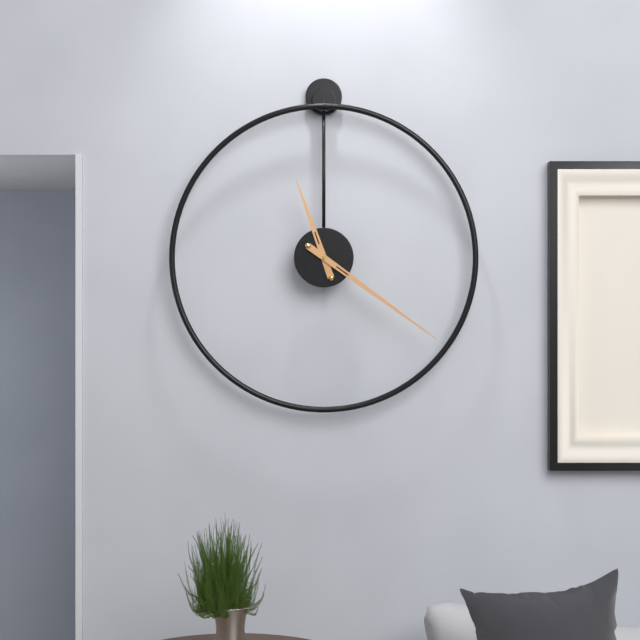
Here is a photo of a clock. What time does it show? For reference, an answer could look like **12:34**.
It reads **11:21**
